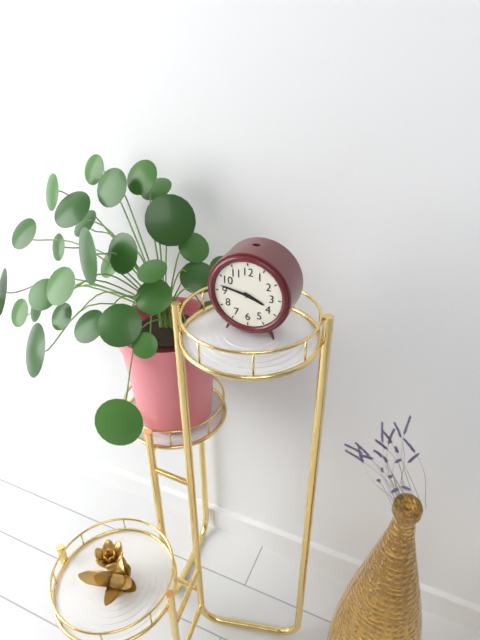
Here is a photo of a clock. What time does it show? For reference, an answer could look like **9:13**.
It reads **3:47**
